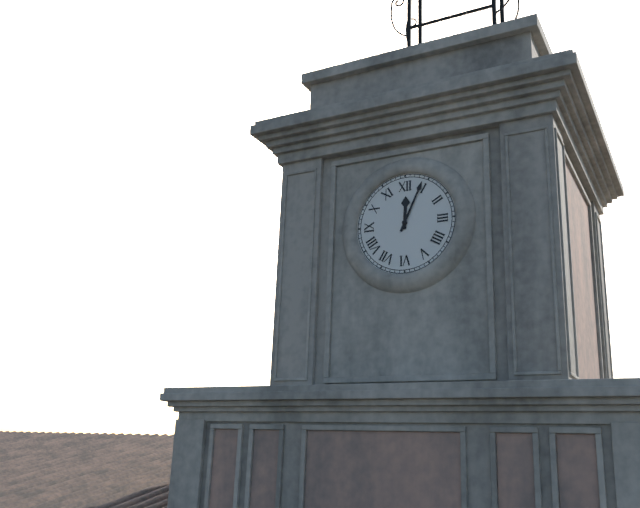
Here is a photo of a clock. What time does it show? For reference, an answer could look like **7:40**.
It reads **12:04**
